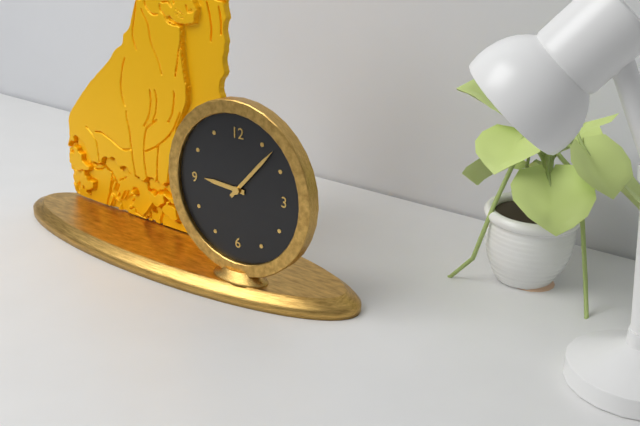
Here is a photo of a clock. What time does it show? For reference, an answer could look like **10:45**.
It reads **9:07**
